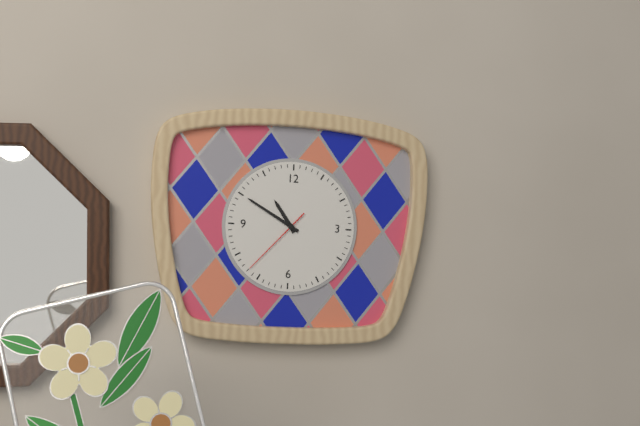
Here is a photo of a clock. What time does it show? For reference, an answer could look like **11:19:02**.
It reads **10:50:37**
